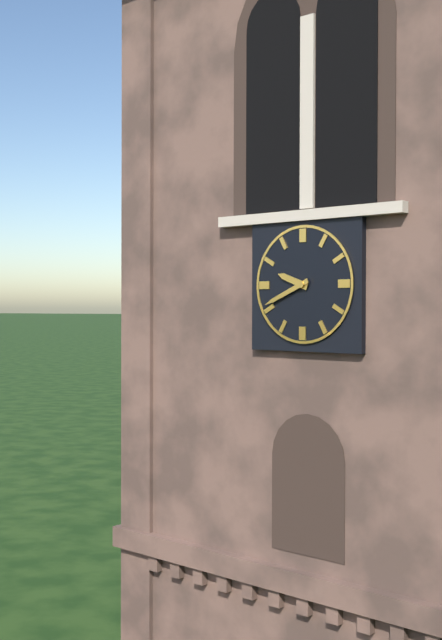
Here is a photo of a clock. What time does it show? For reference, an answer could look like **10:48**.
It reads **9:41**
